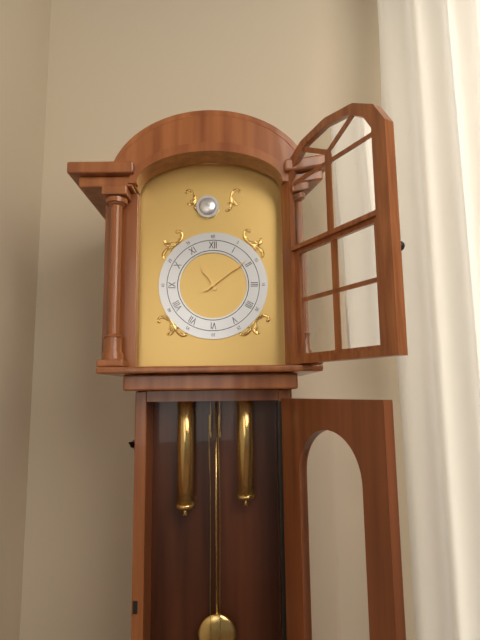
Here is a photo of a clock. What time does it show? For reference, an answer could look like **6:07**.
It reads **11:09**
